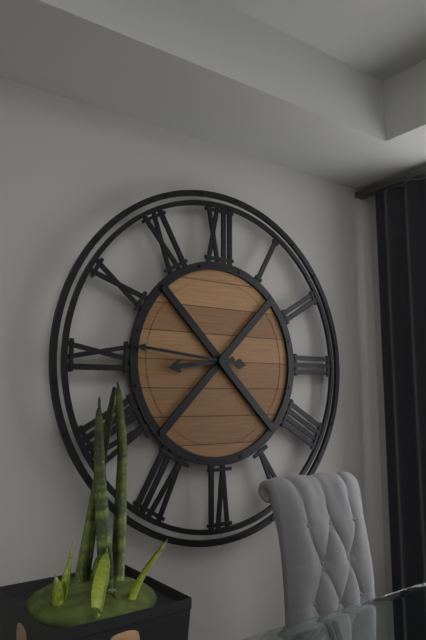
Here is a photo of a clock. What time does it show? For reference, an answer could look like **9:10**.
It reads **8:46**
